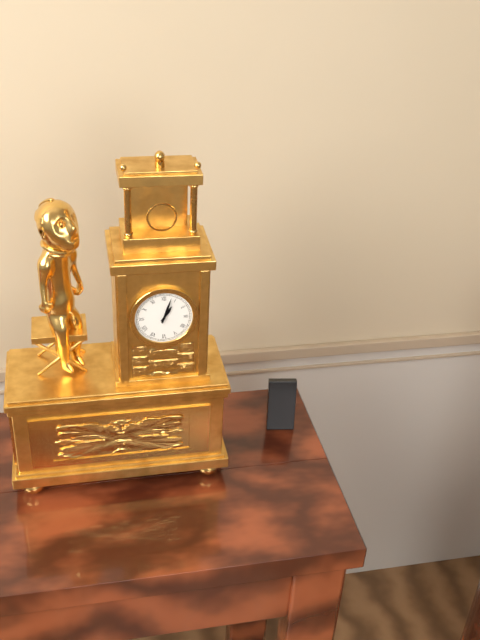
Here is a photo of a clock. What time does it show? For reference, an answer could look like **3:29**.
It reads **1:03**
